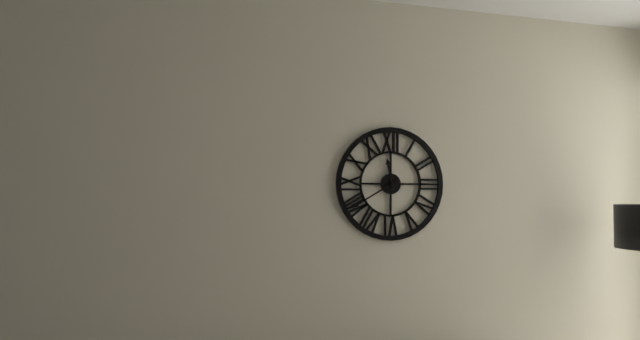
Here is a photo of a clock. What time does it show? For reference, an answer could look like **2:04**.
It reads **11:40**
